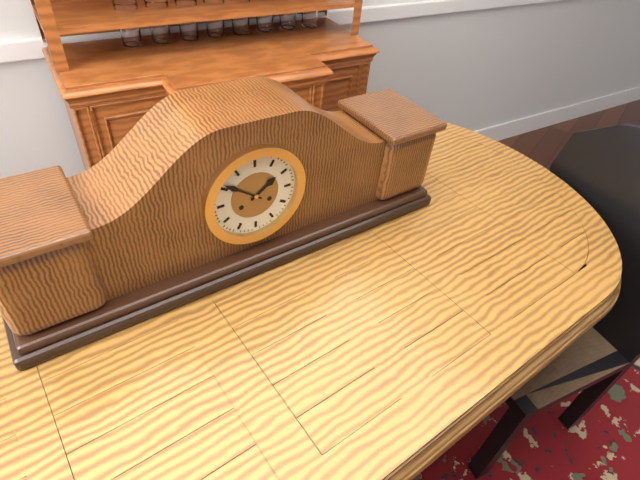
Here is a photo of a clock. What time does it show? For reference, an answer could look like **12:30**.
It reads **1:51**
